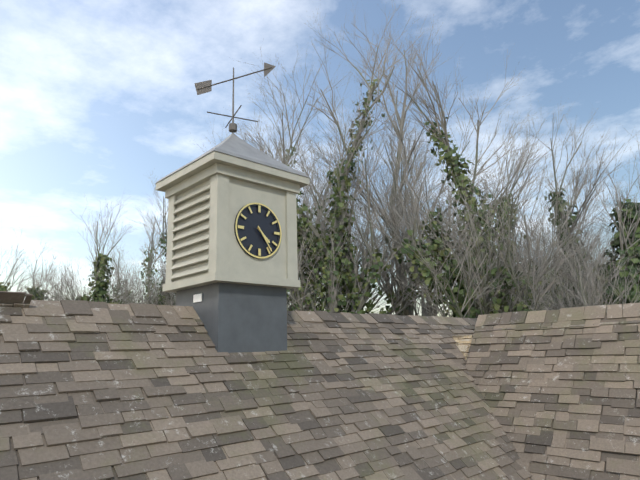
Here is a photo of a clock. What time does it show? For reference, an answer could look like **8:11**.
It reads **4:24**
